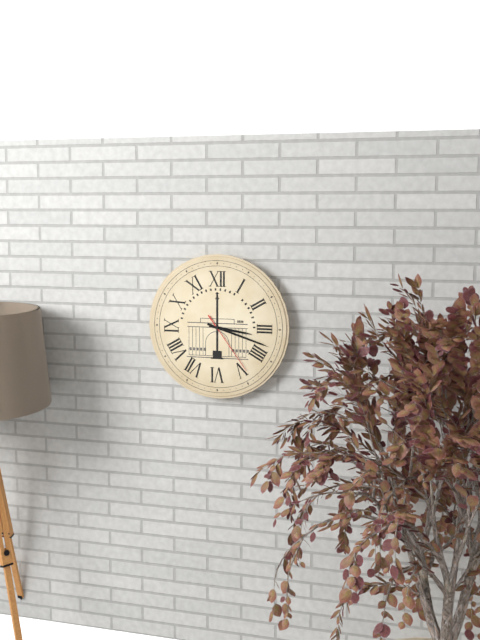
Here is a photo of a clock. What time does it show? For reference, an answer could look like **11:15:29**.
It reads **3:18:24**
